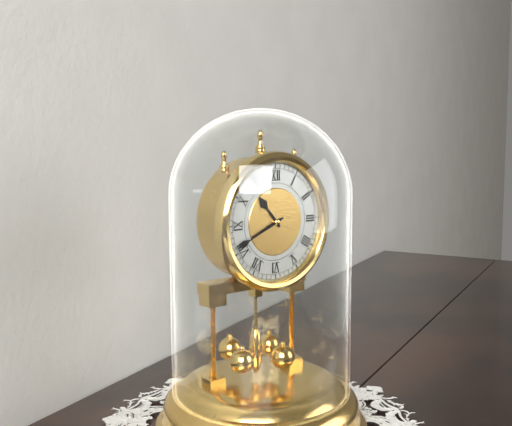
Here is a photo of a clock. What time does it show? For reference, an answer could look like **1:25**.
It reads **10:41**
